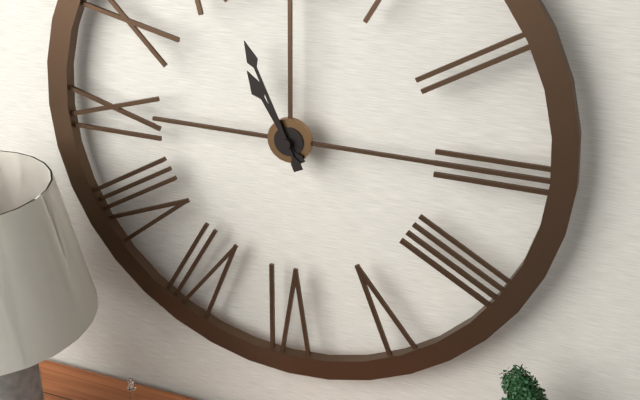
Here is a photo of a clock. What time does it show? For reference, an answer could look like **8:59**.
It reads **10:56**
